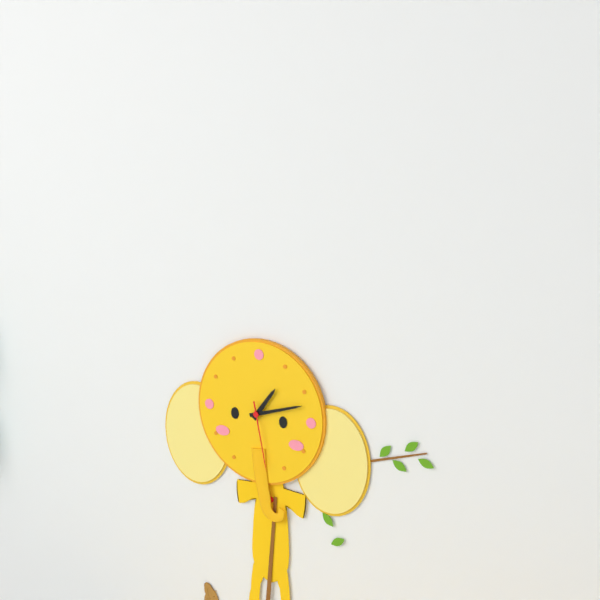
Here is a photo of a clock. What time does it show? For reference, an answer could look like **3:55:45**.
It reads **1:12:28**
